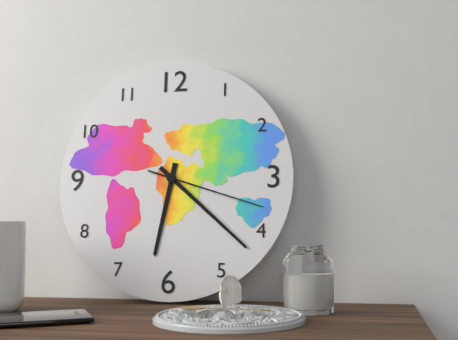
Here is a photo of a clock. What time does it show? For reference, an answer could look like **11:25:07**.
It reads **6:22:18**
